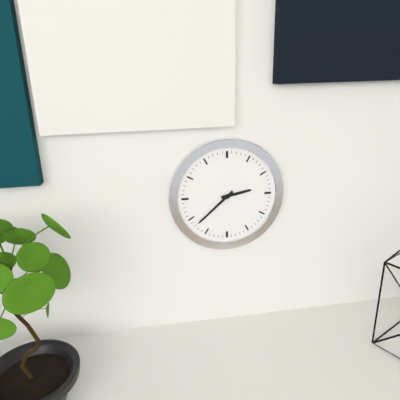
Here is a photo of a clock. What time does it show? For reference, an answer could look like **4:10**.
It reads **2:38**
